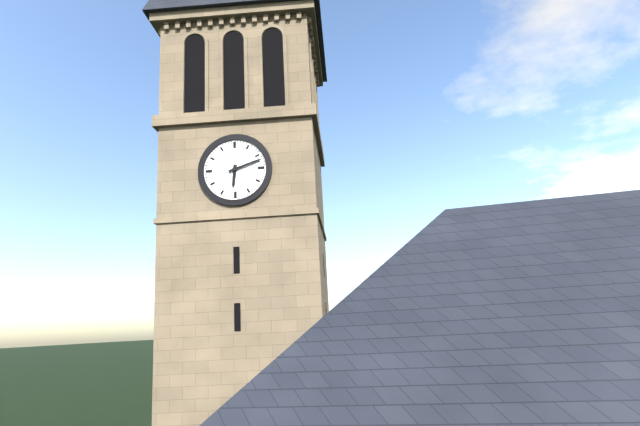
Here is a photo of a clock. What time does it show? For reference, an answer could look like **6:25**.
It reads **6:12**
